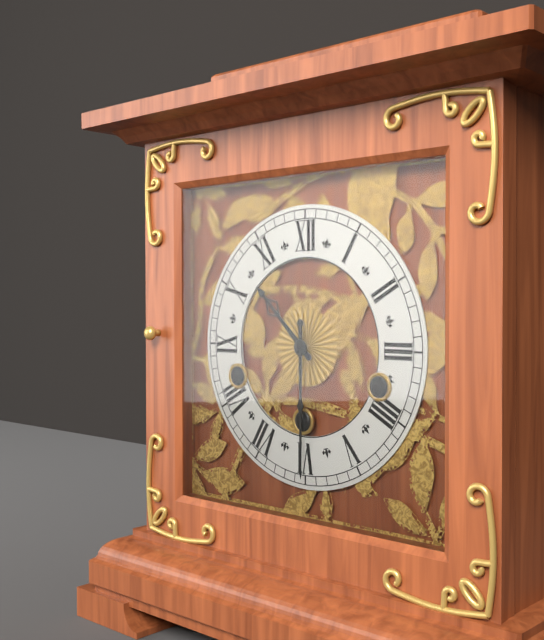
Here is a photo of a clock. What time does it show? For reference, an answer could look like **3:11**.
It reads **10:30**
